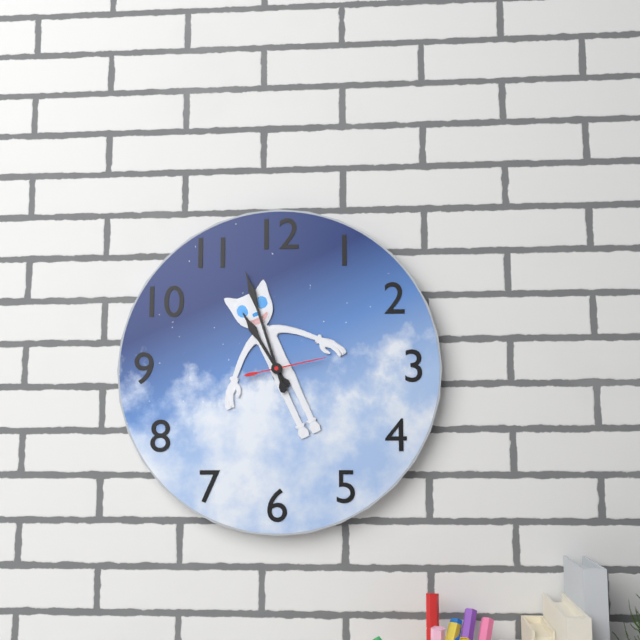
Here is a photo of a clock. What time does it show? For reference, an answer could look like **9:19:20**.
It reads **10:57:13**
